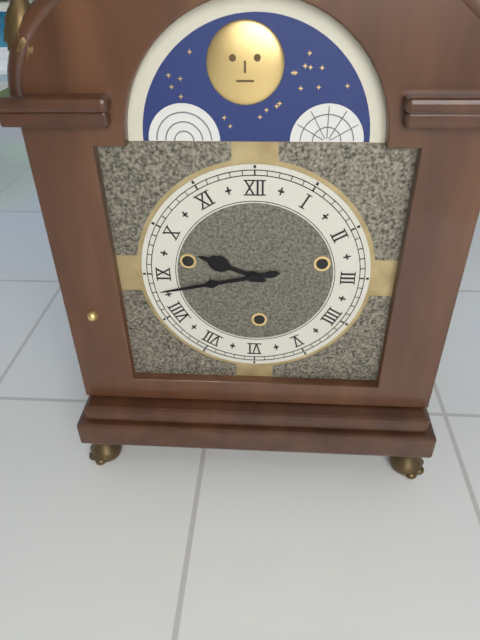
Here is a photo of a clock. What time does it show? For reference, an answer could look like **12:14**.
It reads **9:43**
